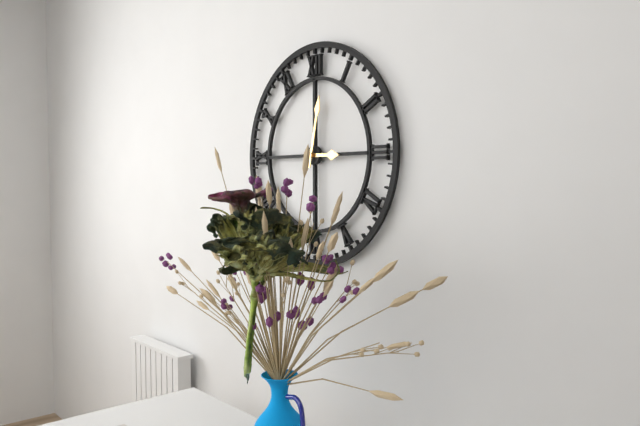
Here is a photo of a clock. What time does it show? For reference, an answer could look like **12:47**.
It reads **3:02**
